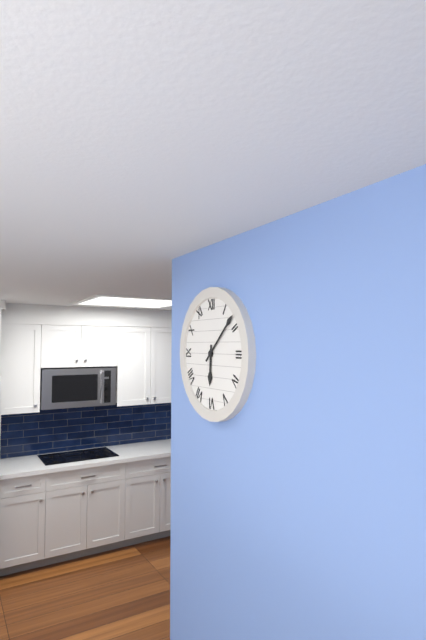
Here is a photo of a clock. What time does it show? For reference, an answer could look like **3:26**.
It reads **6:08**
